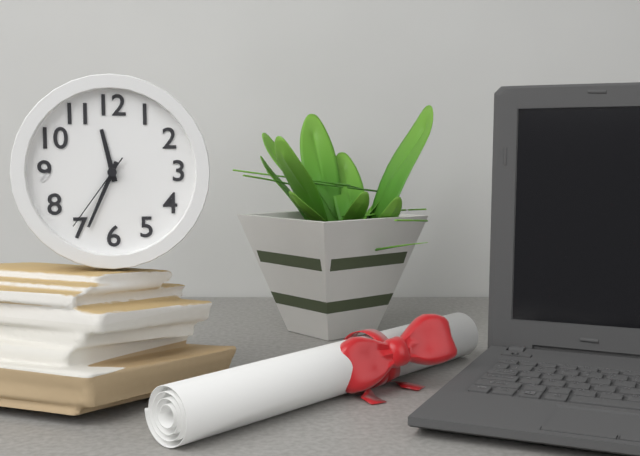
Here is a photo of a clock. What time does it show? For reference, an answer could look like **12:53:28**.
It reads **11:34:36**
